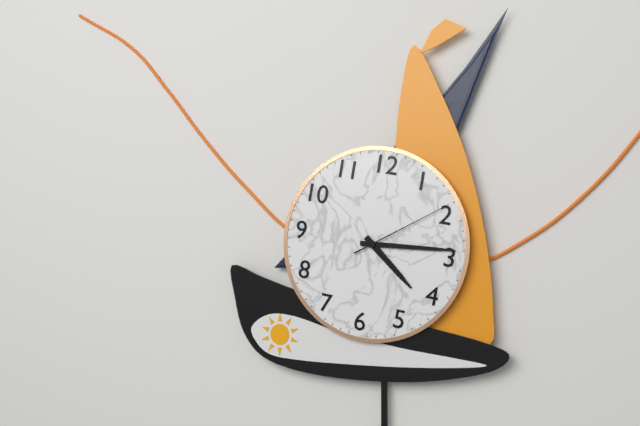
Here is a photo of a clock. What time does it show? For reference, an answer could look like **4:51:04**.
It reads **4:14:09**
